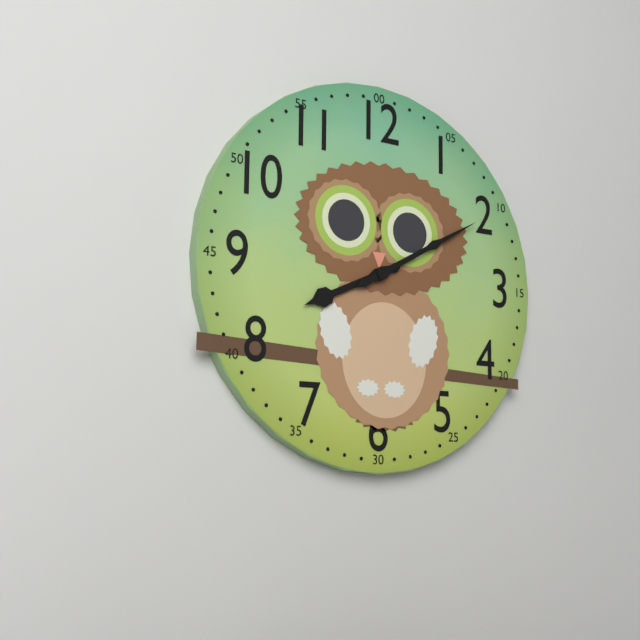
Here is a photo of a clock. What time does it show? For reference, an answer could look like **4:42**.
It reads **8:10**
